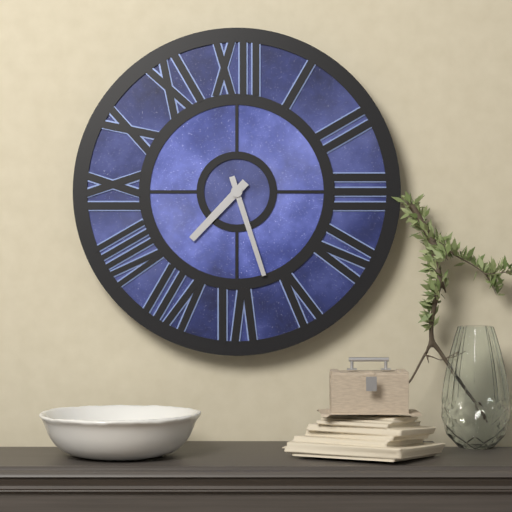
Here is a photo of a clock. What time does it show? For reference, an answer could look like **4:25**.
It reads **7:27**
